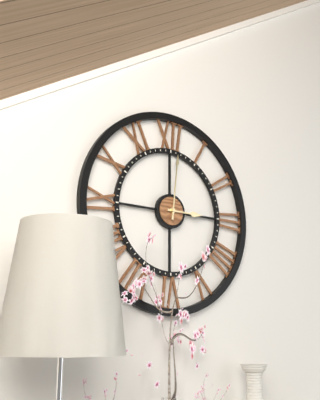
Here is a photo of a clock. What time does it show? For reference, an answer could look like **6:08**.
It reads **3:01**
